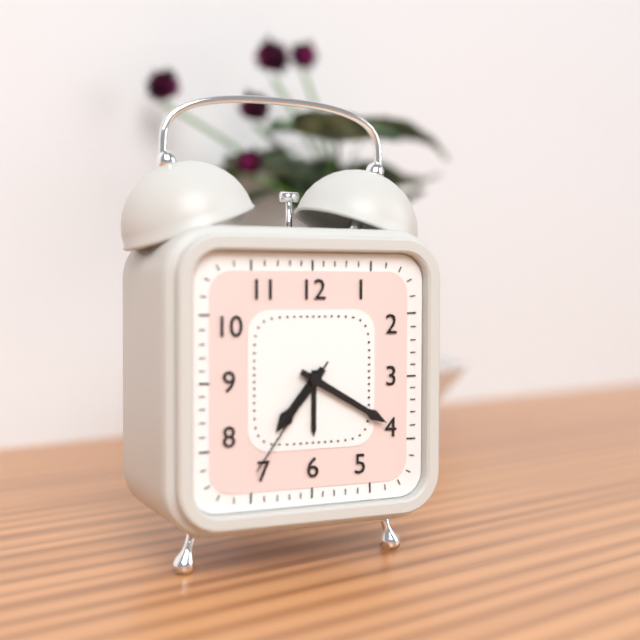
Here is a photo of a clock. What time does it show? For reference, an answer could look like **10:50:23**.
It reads **7:20:36**
